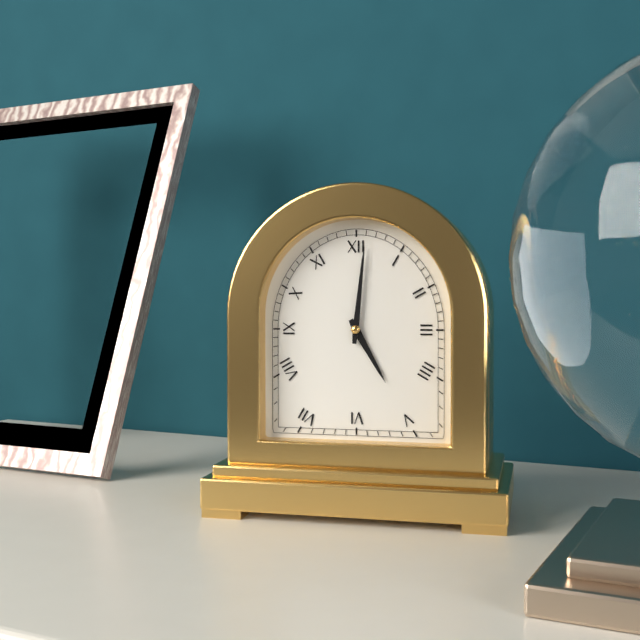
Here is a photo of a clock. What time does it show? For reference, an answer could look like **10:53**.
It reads **5:01**
